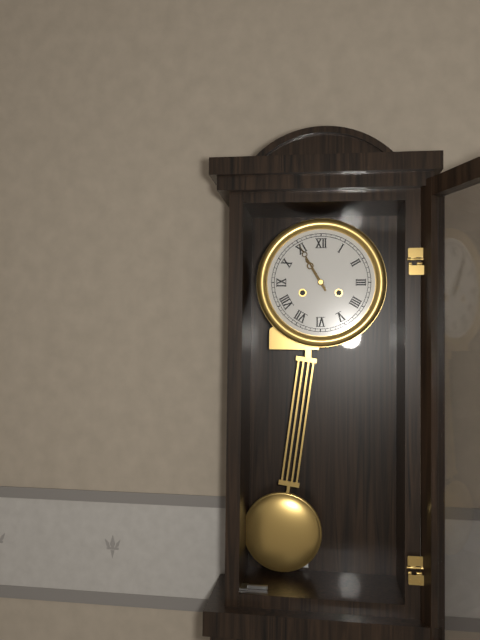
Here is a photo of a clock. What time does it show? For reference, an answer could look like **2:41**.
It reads **10:55**
